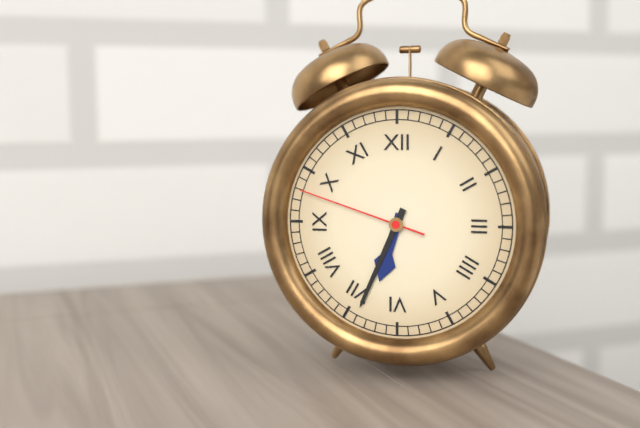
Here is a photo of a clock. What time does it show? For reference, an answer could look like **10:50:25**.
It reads **6:34:48**
